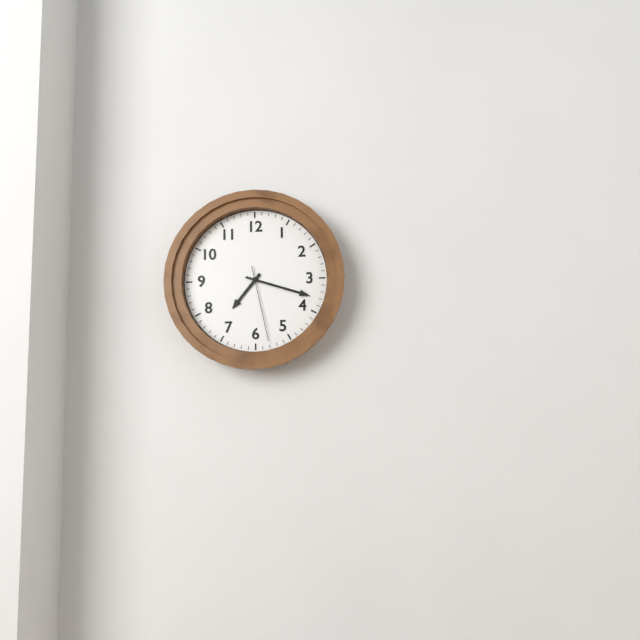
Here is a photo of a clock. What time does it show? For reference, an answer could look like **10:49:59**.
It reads **7:18:28**
